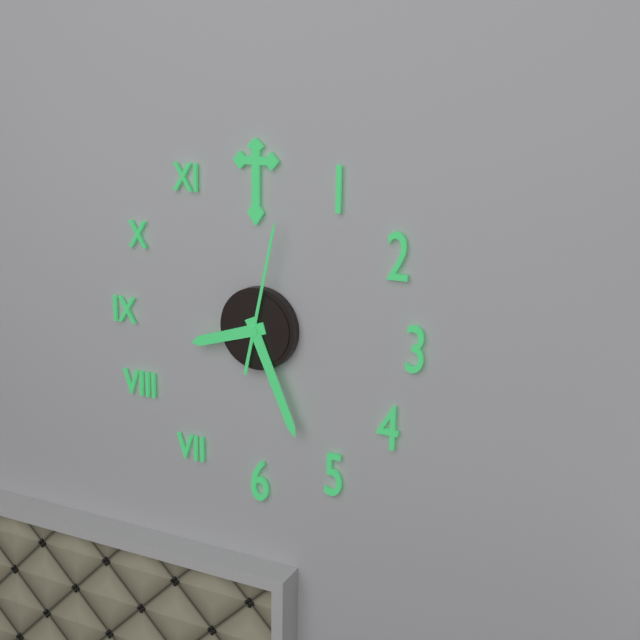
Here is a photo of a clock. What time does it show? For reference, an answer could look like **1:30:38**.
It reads **8:26:02**
